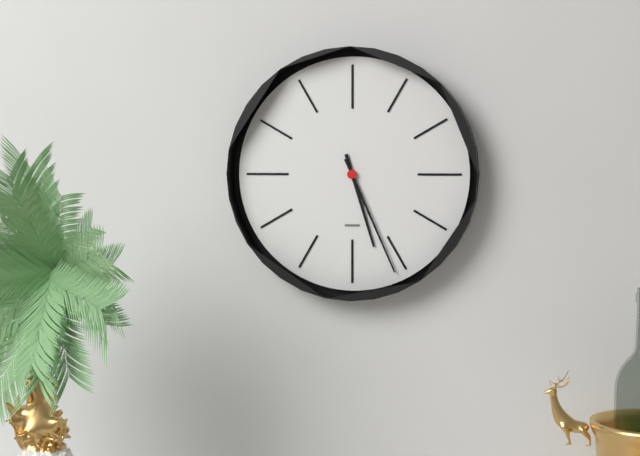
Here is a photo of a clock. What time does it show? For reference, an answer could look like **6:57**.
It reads **5:26**
